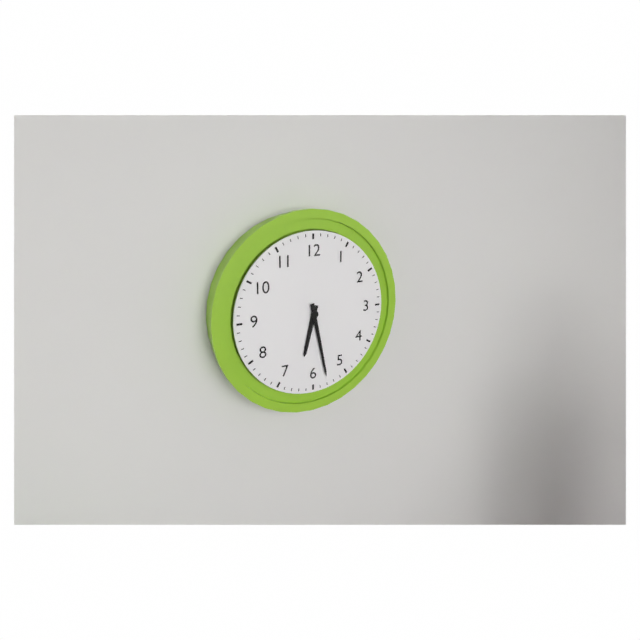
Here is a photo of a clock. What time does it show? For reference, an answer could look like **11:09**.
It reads **6:28**
